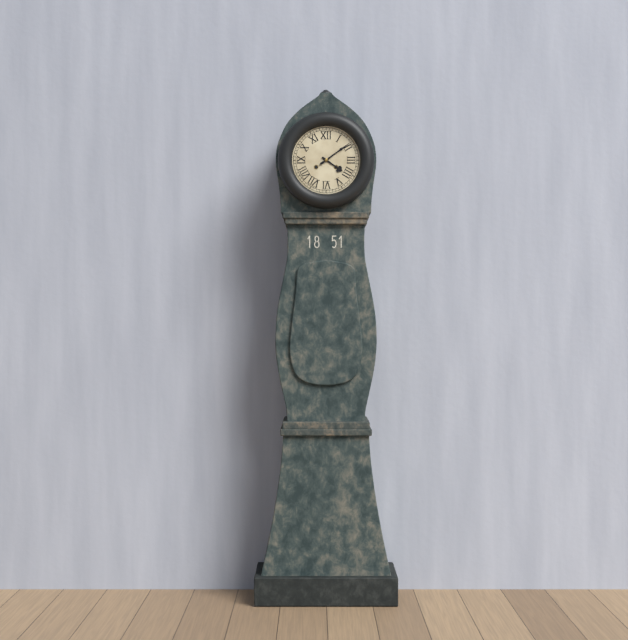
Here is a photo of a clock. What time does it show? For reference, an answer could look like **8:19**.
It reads **4:09**
